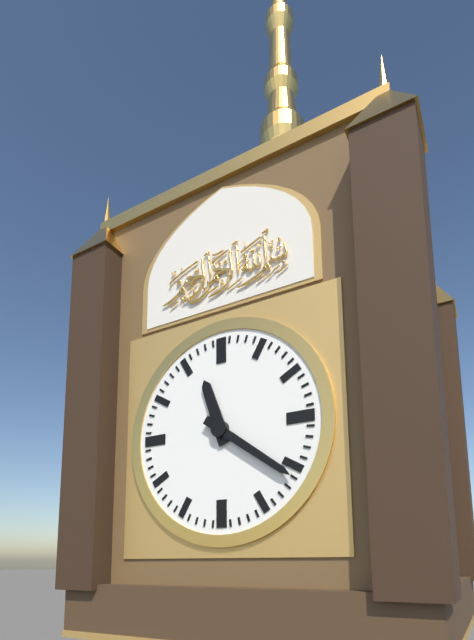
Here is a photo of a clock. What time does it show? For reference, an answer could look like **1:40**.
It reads **11:21**
